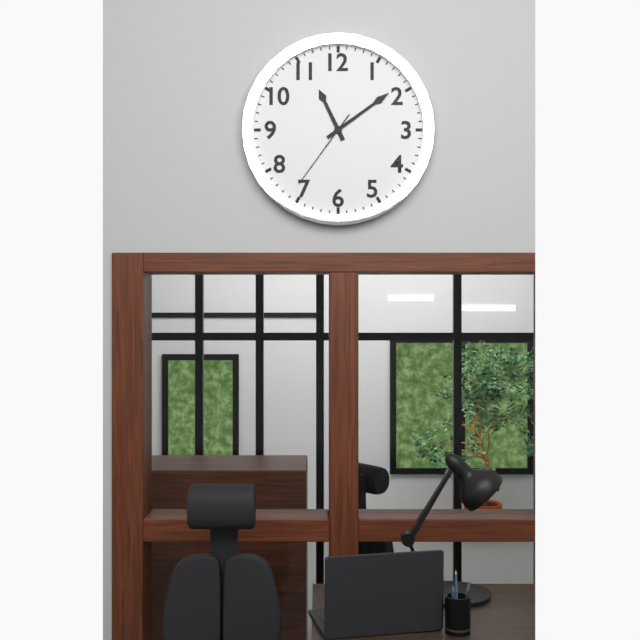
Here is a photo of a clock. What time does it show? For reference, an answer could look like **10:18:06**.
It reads **11:09:36**
